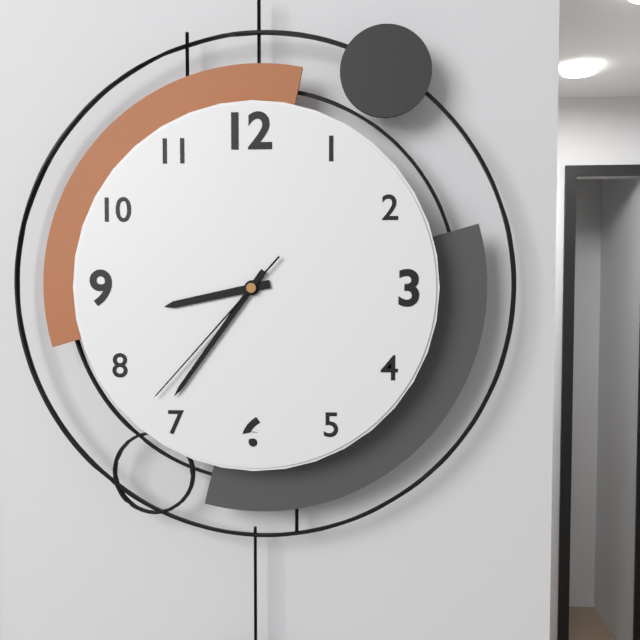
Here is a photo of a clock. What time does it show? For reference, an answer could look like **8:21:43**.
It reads **8:36:37**
